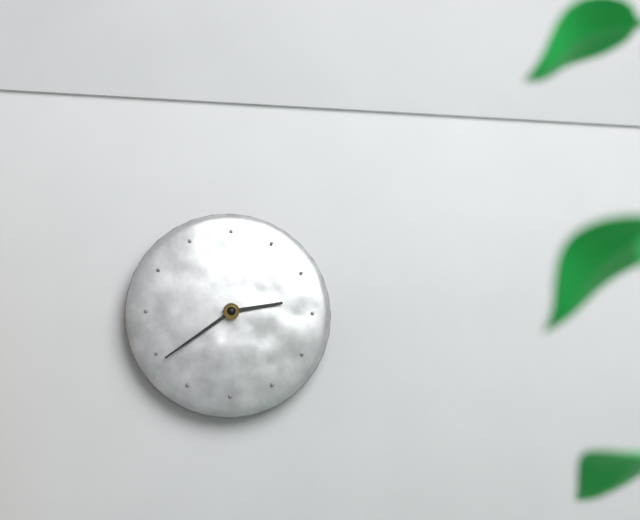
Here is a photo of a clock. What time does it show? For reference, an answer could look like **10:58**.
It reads **2:39**
